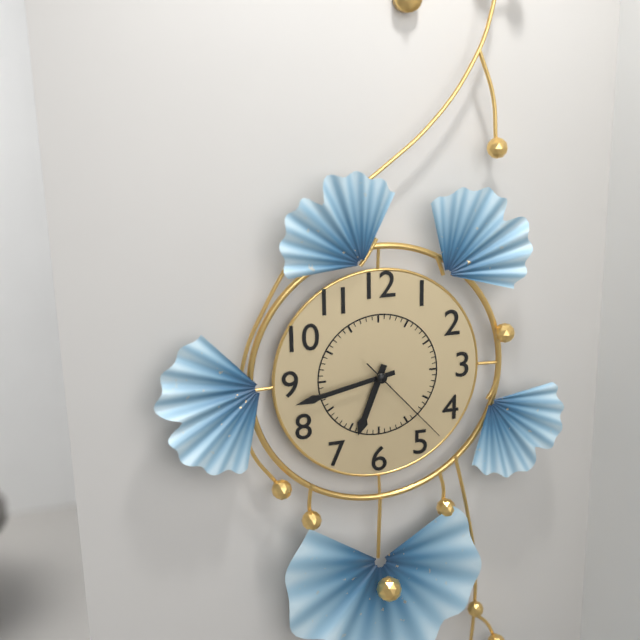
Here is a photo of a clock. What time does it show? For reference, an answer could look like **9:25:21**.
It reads **6:43:23**
